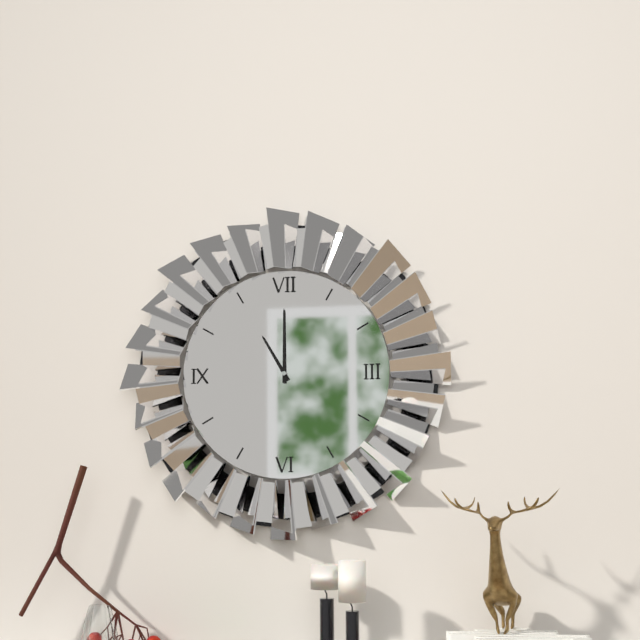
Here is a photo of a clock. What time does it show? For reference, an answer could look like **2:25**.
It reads **11:00**
